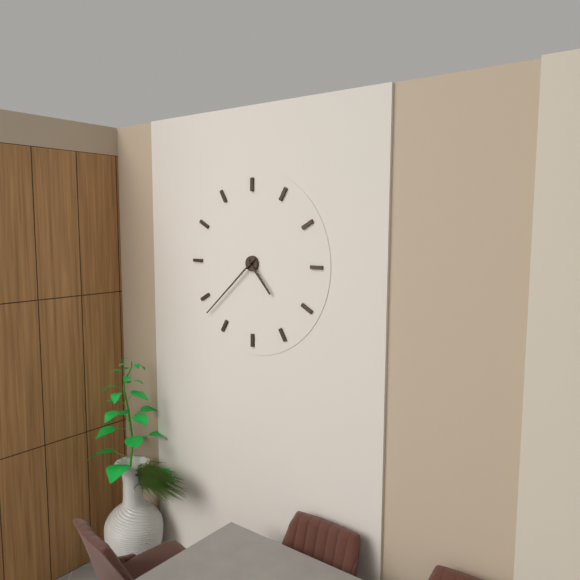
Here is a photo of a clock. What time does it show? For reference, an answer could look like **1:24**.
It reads **4:38**
